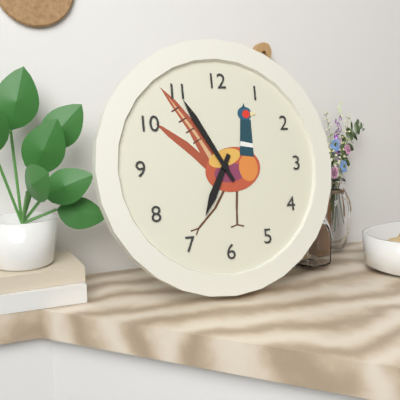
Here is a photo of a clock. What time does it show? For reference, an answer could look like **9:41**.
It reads **6:55**
